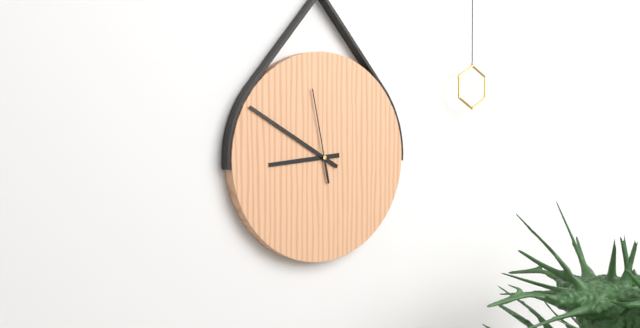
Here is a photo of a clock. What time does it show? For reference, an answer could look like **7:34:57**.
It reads **8:50:58**
